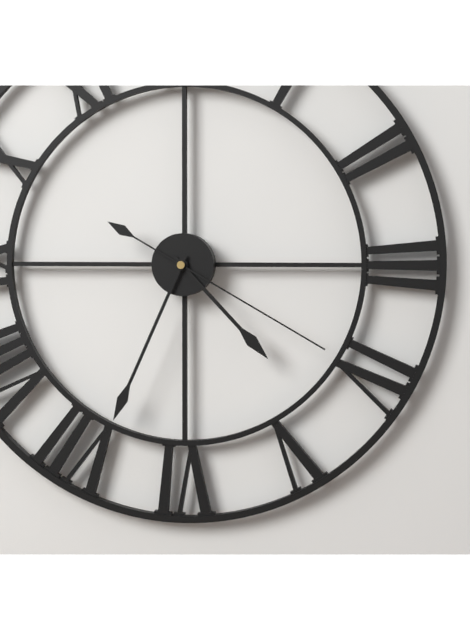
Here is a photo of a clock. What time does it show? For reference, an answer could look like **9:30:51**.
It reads **4:34:20**
